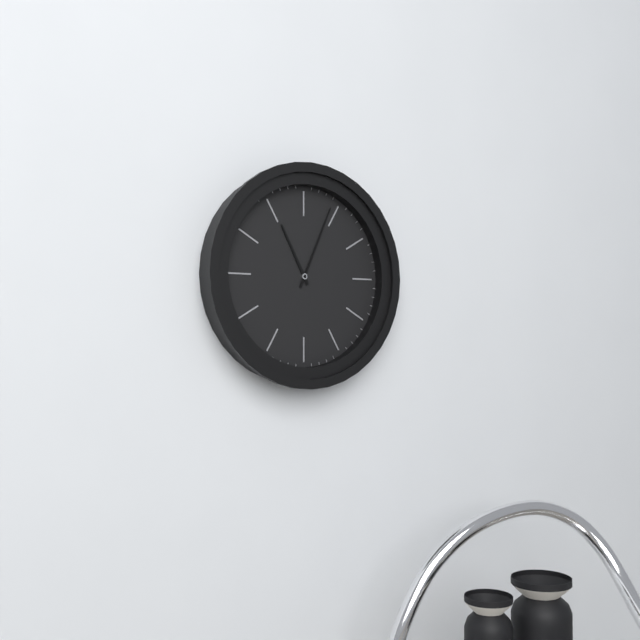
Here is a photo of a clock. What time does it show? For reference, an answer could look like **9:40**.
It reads **11:04**
